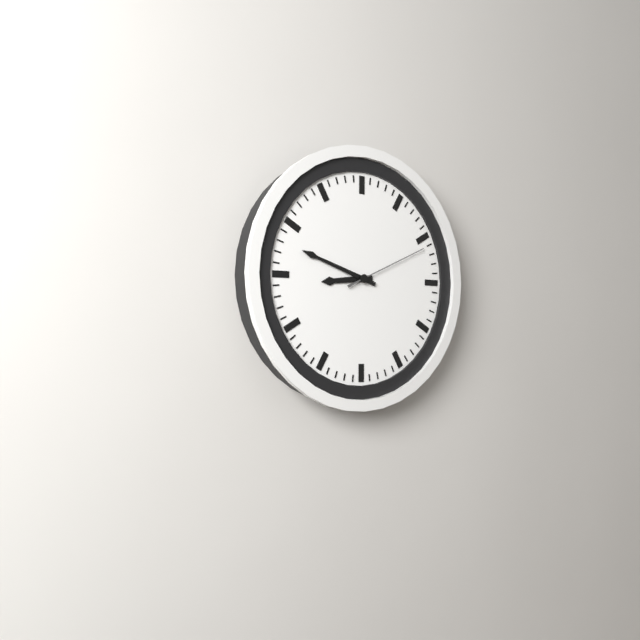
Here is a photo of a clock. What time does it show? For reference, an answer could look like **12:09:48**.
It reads **8:48:11**
